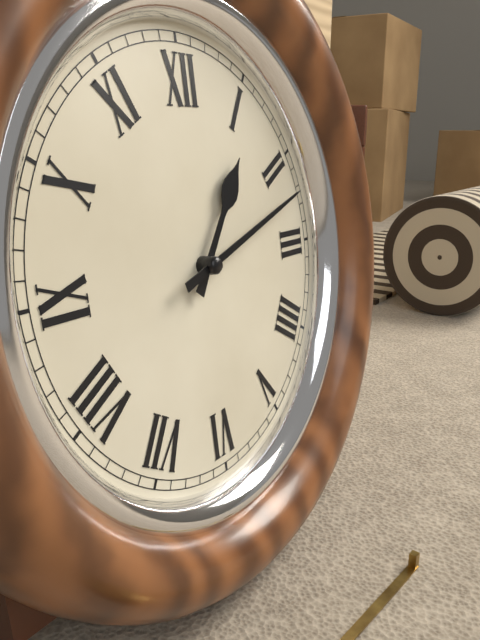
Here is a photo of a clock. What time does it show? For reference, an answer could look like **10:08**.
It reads **1:12**
